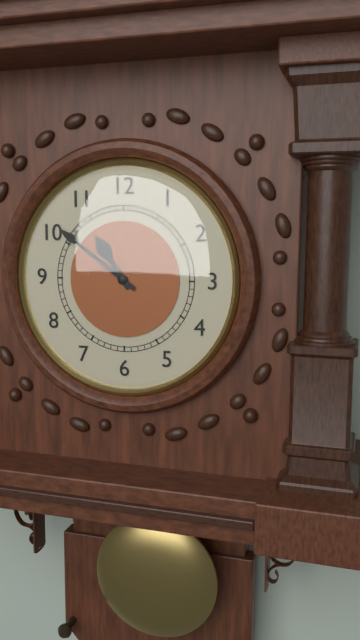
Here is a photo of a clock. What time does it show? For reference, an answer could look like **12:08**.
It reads **10:51**
